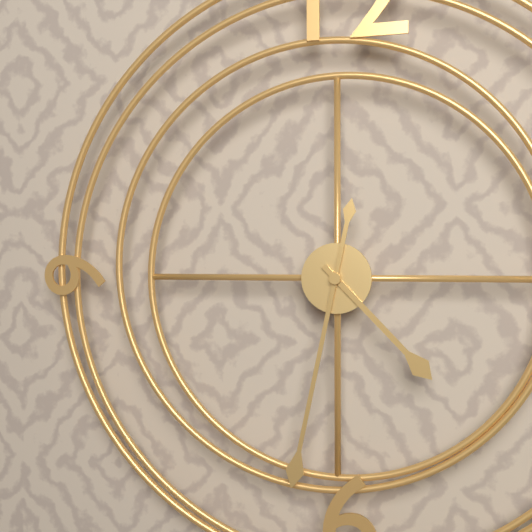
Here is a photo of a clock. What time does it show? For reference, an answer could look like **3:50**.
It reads **4:32**
